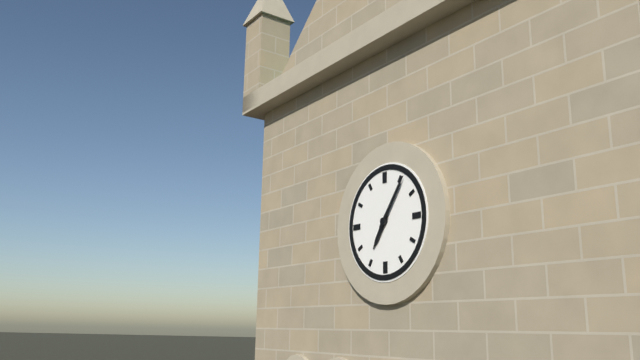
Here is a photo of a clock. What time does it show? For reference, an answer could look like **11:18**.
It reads **7:06**
